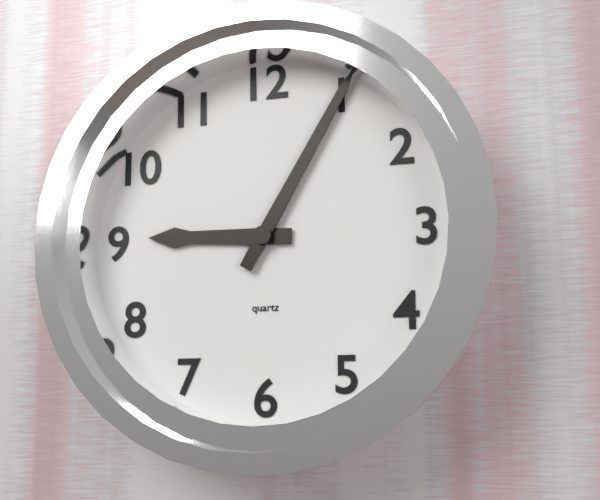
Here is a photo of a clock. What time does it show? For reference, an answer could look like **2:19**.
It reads **9:05**
